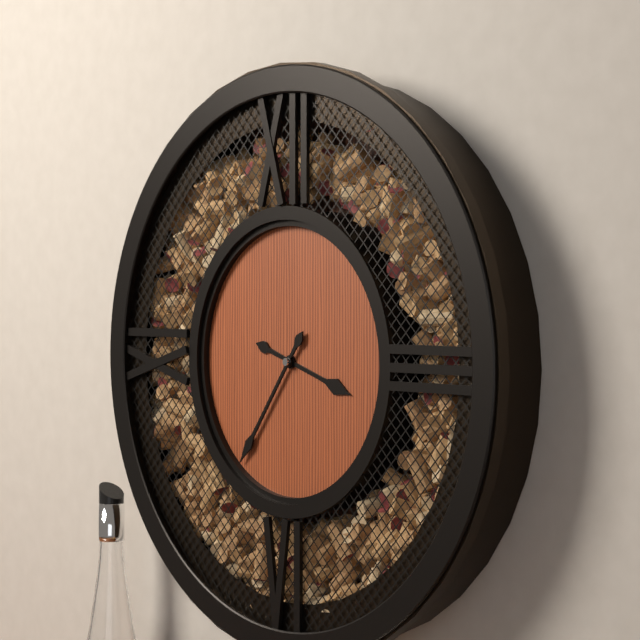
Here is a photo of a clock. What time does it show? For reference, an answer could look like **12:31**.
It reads **3:36**
